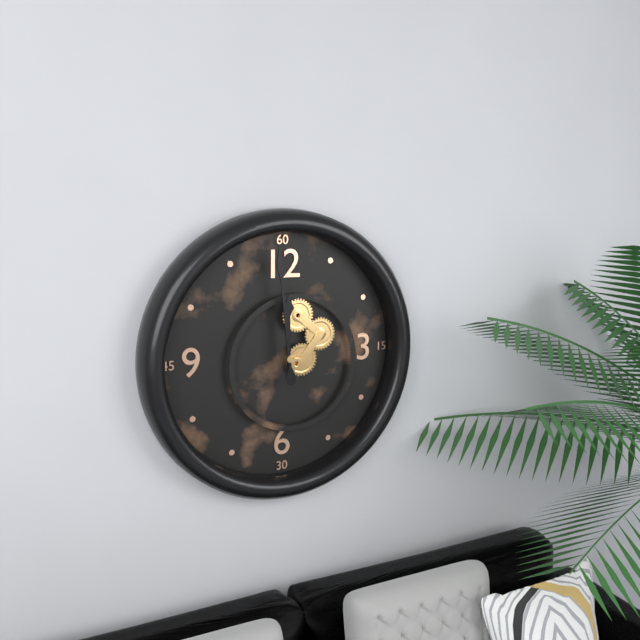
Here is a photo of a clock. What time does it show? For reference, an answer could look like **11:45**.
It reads **11:59**
